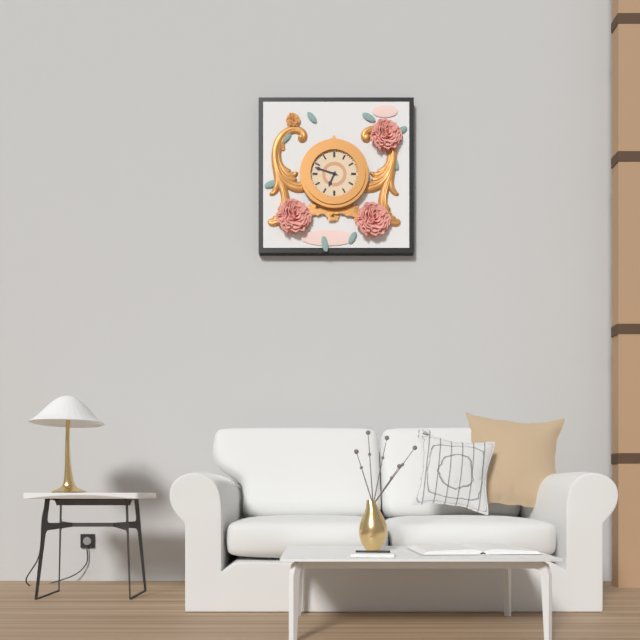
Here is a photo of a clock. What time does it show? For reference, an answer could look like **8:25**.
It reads **6:48**
